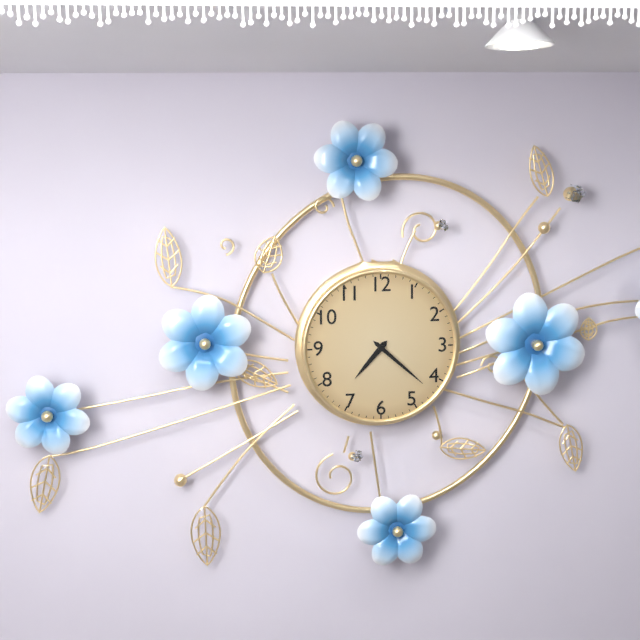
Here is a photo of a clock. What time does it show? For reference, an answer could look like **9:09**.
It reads **7:22**
